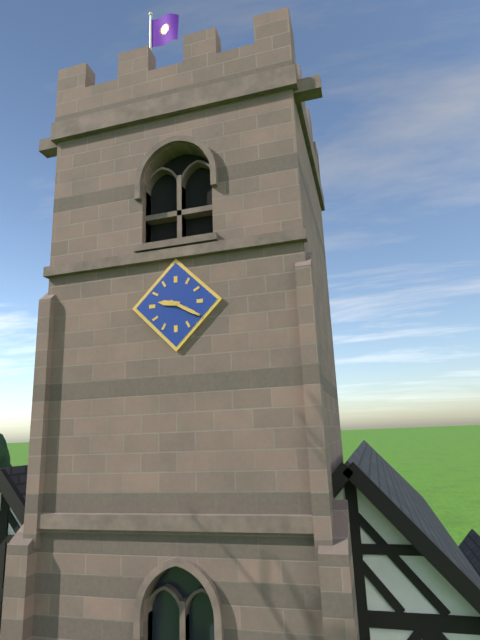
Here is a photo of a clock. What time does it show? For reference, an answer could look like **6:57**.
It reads **9:20**
